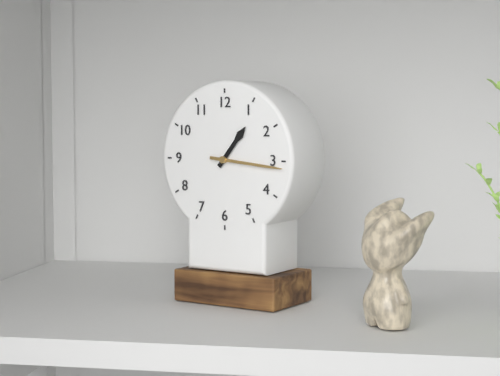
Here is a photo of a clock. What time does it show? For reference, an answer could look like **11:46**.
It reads **1:16**
